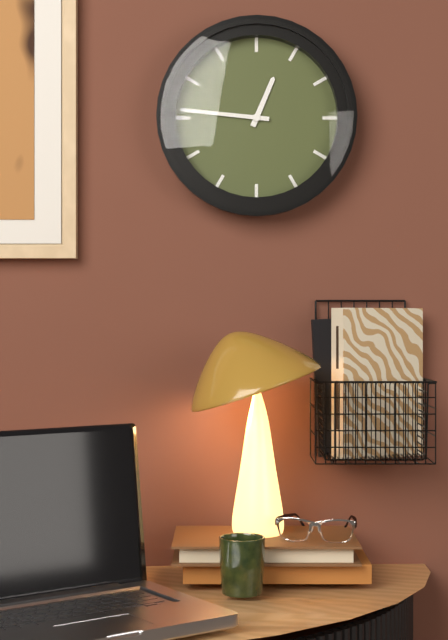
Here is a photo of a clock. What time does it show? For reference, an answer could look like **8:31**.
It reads **12:46**
